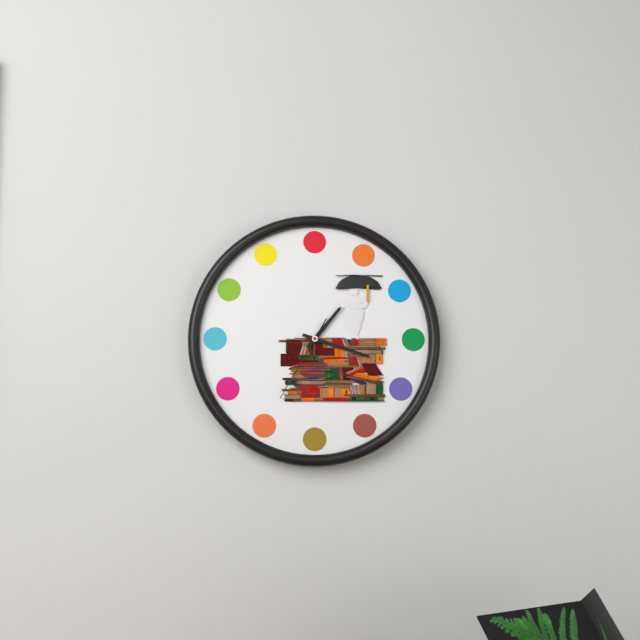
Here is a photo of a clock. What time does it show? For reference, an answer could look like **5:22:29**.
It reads **1:18:35**
